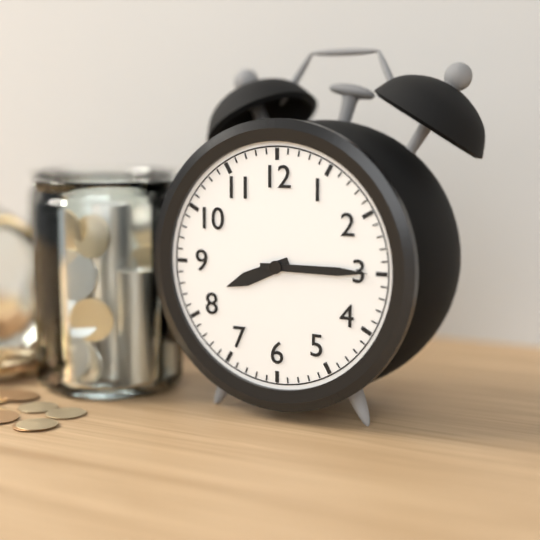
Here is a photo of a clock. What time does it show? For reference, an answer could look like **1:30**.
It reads **8:15**
